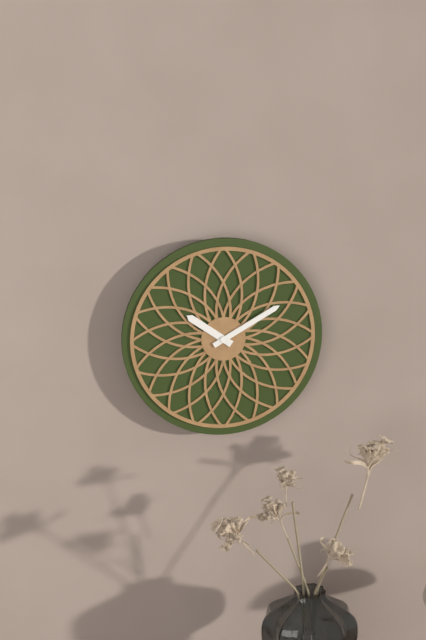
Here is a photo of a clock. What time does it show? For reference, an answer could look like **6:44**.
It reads **10:10**
